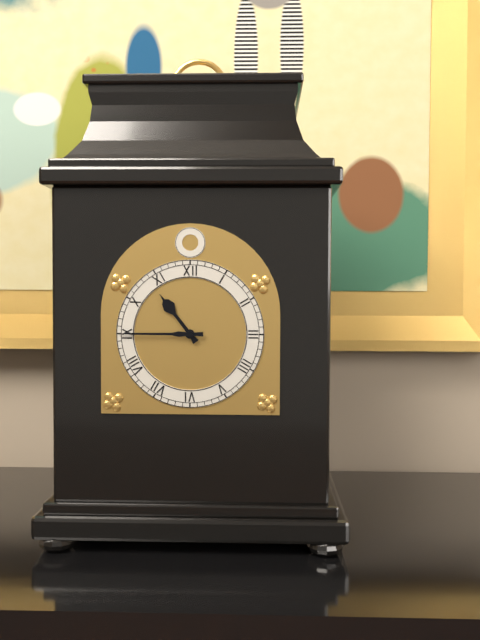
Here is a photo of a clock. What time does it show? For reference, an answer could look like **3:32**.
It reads **10:45**
